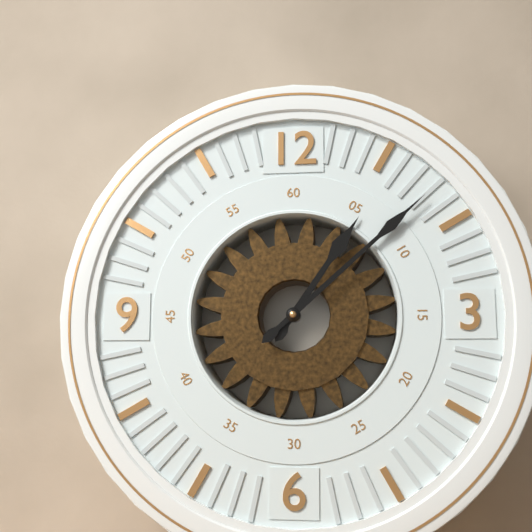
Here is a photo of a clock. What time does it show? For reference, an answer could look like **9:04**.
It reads **1:08**
